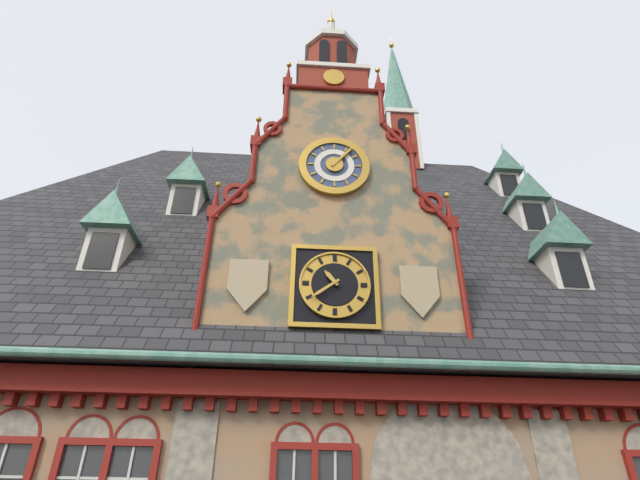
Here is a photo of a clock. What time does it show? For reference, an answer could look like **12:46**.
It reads **10:39**
